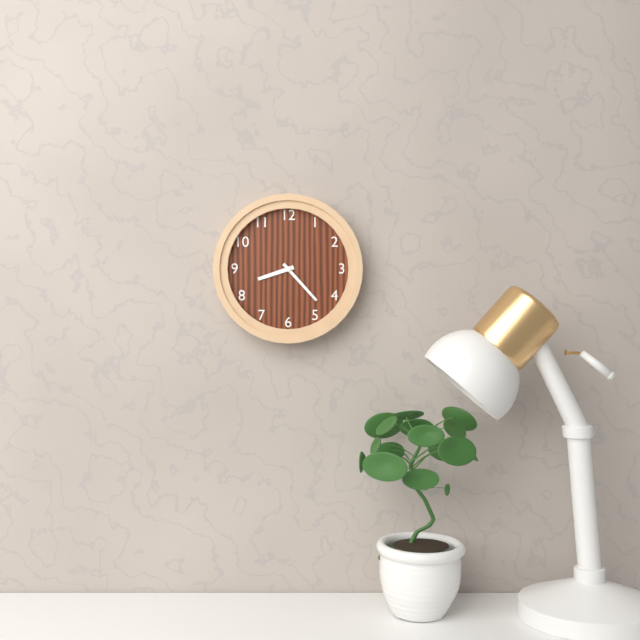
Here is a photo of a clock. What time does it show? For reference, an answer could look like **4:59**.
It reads **8:23**
